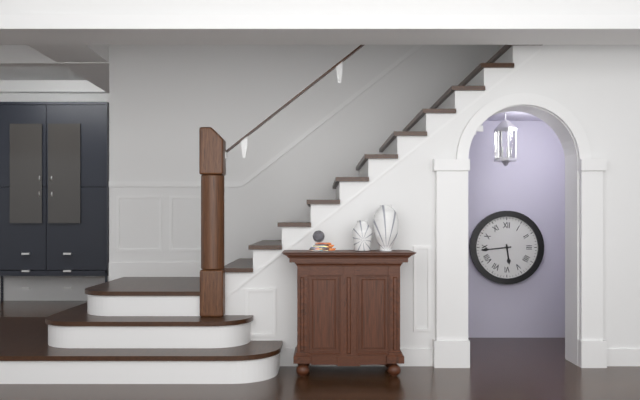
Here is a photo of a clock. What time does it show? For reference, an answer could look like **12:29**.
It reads **5:44**
